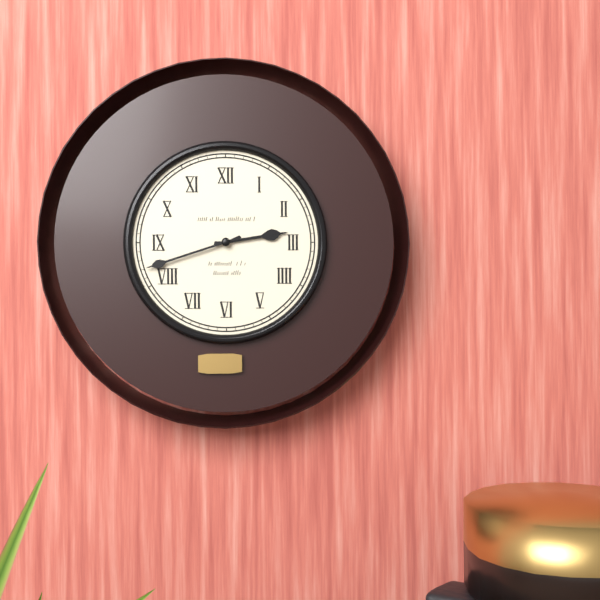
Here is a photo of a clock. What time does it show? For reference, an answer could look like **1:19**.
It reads **2:42**
